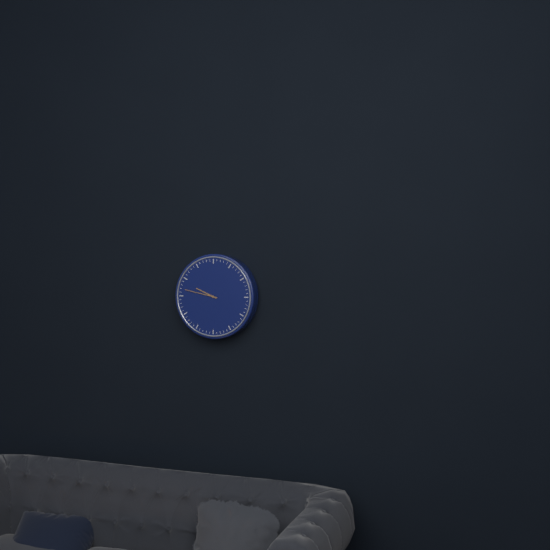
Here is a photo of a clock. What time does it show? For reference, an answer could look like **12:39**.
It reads **9:47**
